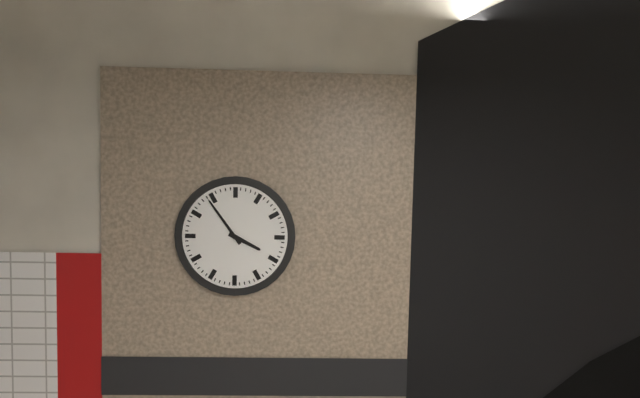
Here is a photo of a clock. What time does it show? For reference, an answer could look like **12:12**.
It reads **3:54**
